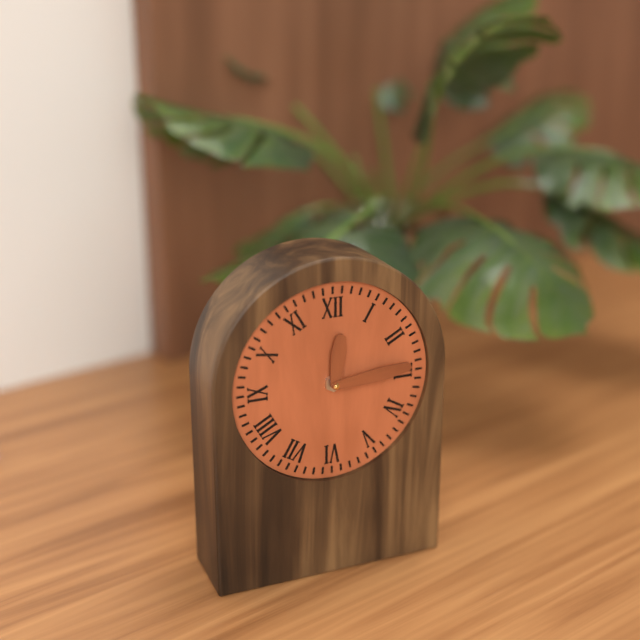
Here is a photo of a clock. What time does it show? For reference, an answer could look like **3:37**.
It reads **12:14**
